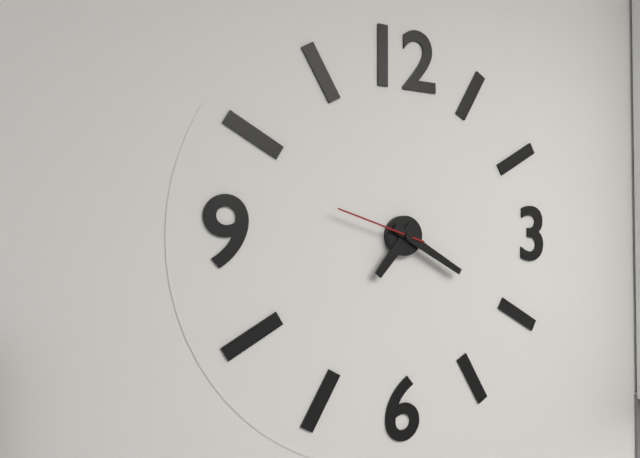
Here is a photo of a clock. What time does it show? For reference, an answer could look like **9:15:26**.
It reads **7:20:48**
